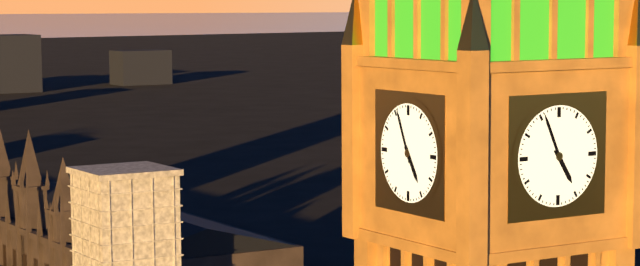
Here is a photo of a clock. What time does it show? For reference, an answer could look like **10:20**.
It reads **4:56**
